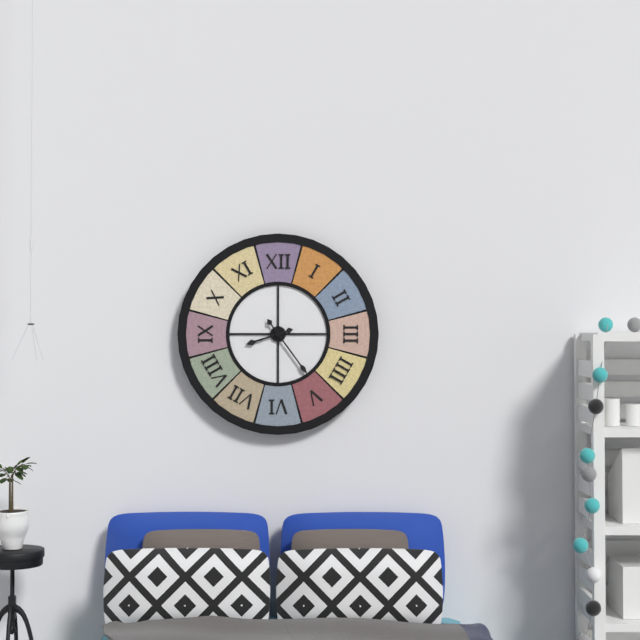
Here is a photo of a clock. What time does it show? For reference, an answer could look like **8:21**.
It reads **8:24**
